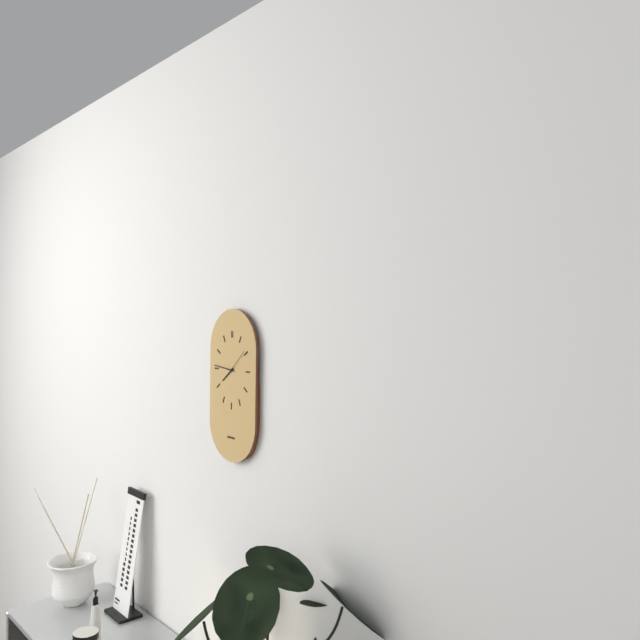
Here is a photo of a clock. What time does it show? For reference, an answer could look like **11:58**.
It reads **7:46**
